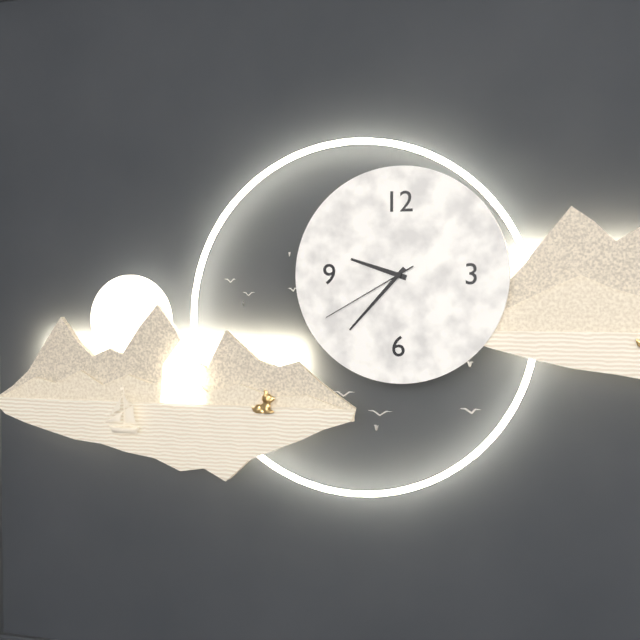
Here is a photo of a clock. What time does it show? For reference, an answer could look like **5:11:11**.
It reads **9:37:40**
